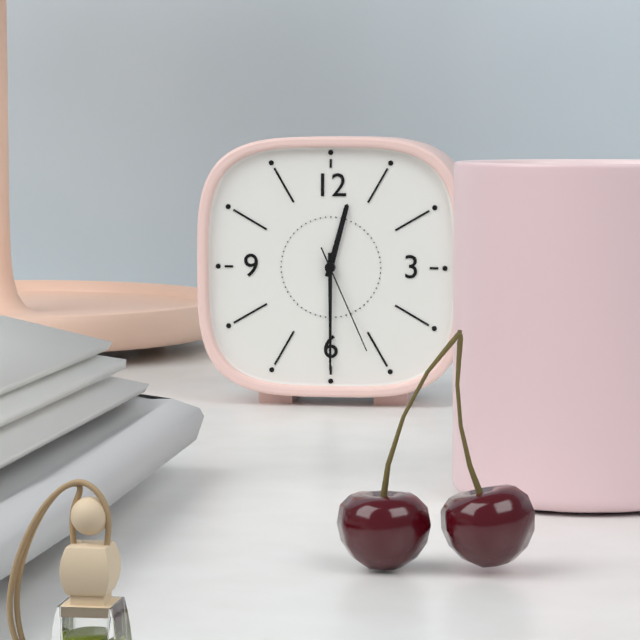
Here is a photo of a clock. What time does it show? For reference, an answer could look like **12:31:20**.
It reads **12:30:26**
